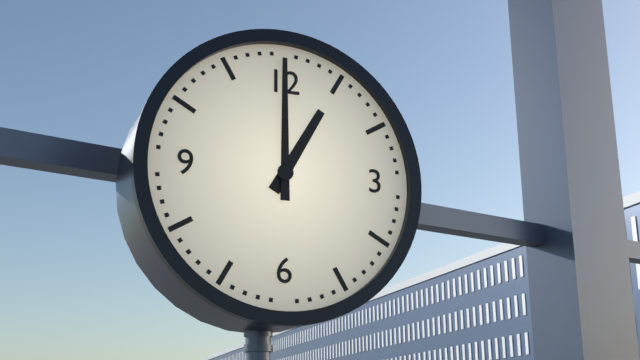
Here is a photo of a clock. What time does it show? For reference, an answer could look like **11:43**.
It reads **1:00**
